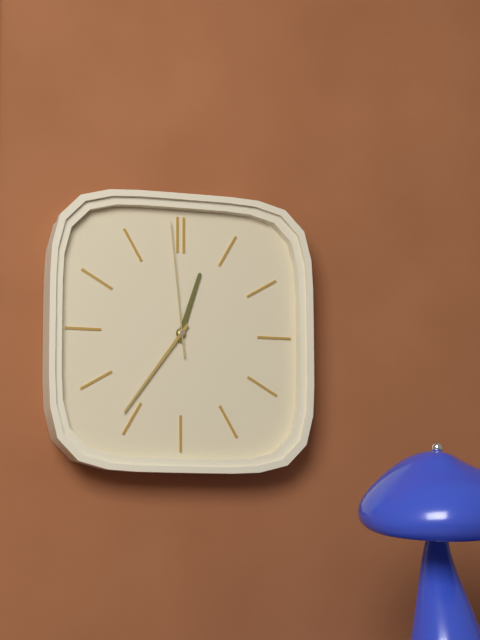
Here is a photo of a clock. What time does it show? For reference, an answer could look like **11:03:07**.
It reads **12:36:59**
